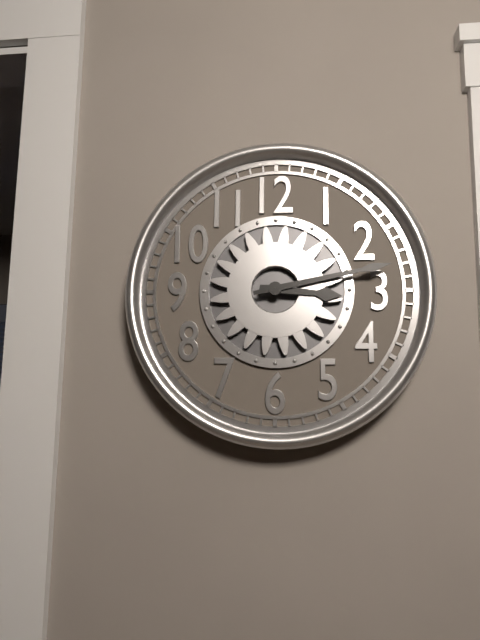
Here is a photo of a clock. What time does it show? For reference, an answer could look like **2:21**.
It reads **3:13**
